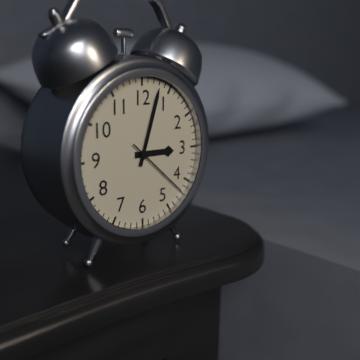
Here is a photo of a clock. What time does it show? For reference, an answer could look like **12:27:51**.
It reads **3:03:22**
